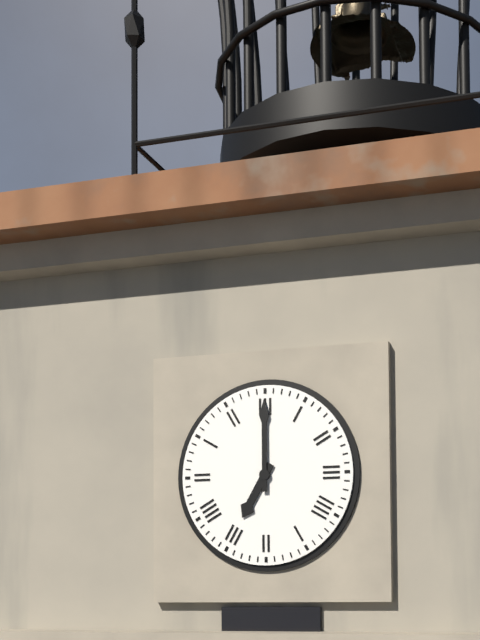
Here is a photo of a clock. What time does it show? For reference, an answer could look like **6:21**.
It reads **7:00**
